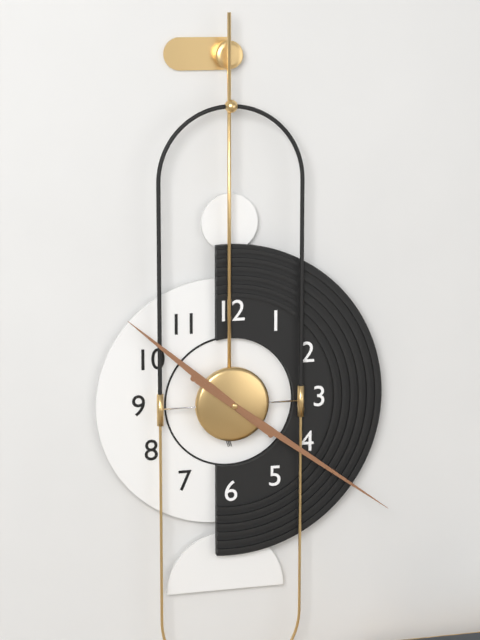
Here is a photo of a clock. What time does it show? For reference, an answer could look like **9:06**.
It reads **10:21**
